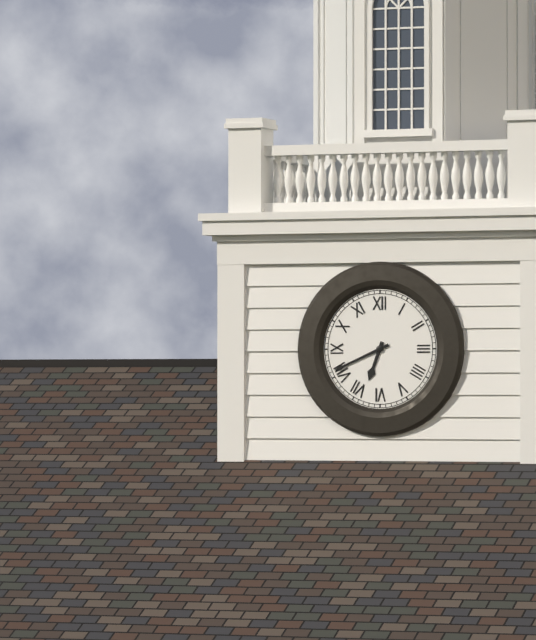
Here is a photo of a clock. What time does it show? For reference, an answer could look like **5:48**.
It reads **6:41**
